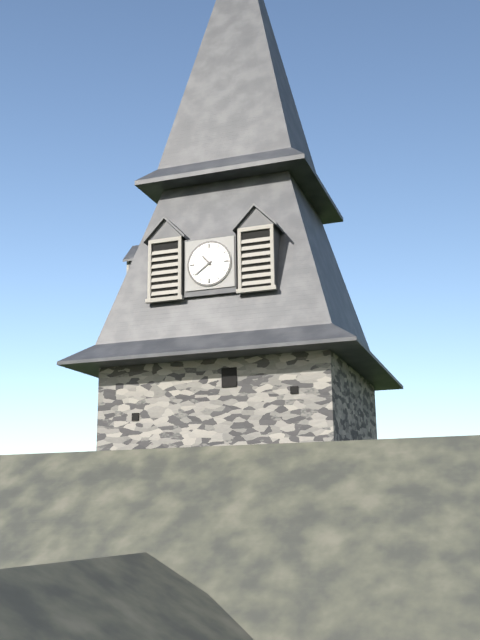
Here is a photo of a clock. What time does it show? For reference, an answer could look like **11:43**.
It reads **10:39**
